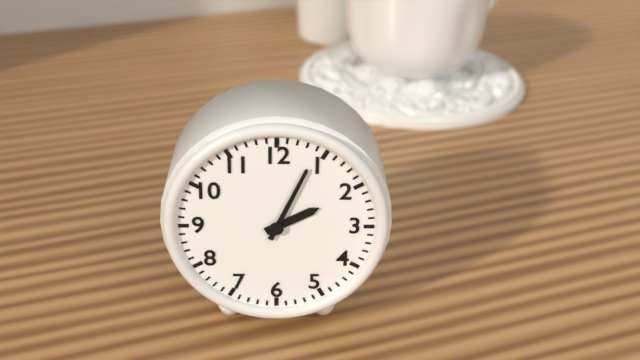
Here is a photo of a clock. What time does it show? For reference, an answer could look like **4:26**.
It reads **2:04**
